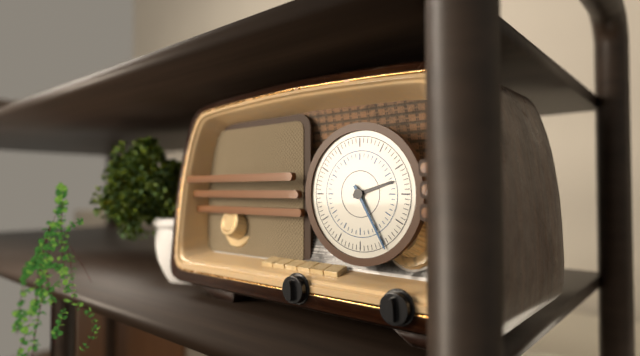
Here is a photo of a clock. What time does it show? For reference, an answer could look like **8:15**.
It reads **2:25**
